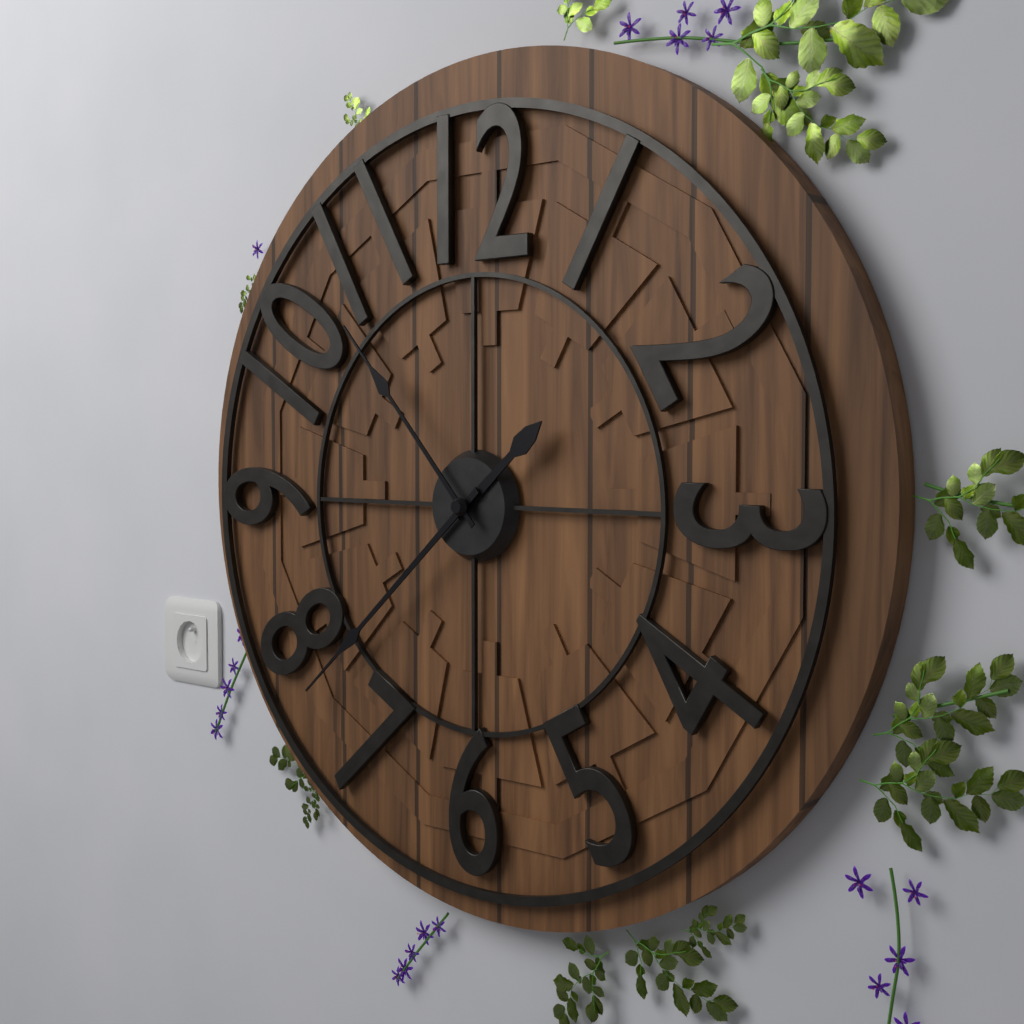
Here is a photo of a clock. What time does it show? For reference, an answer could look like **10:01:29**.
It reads **1:38:53**
